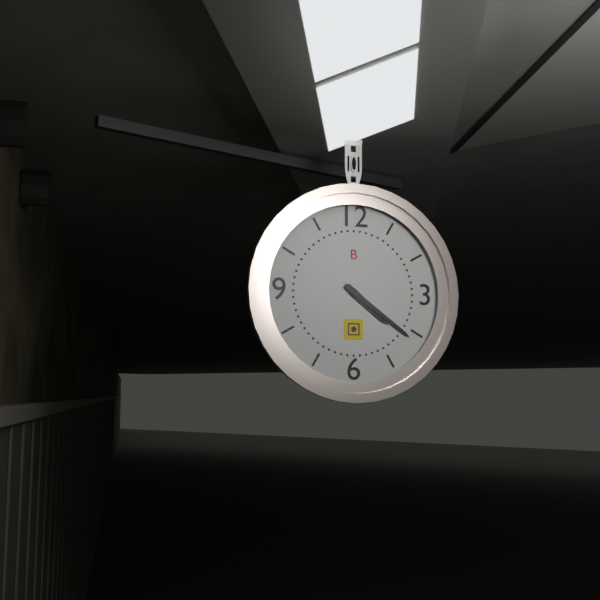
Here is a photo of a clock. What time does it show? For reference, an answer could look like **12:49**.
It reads **4:21**
